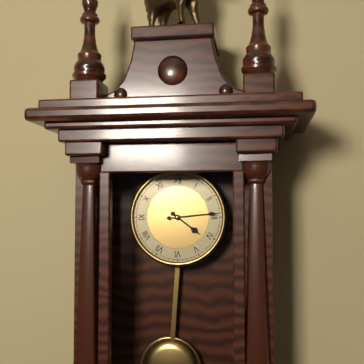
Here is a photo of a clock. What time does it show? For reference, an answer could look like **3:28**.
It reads **4:14**
